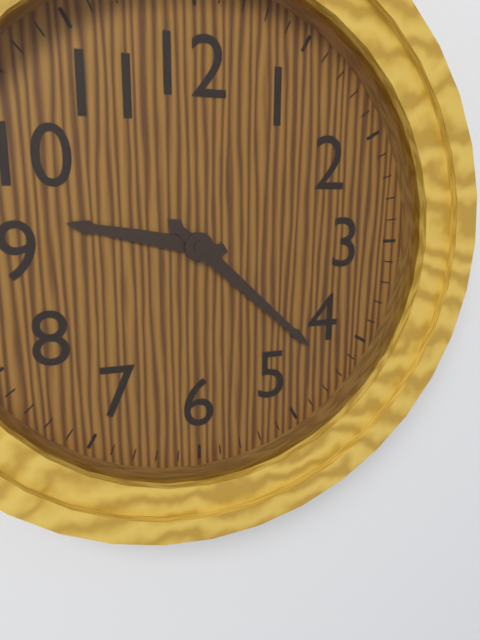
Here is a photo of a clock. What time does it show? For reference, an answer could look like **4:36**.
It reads **9:22**
